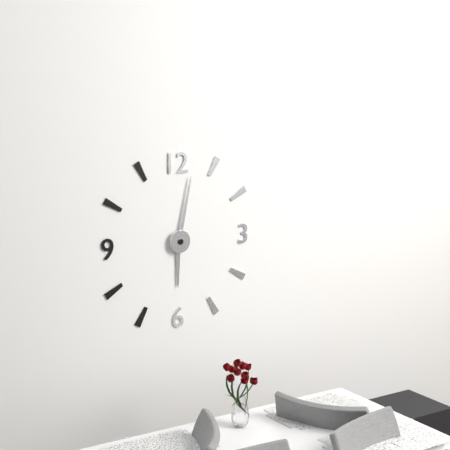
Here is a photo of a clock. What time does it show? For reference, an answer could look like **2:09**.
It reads **6:02**
